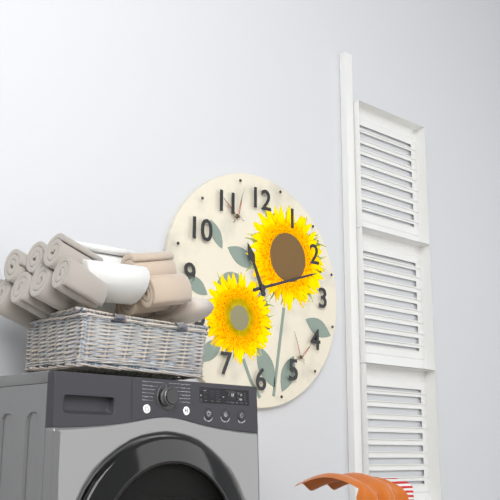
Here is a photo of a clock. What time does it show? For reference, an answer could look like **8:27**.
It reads **11:12**
